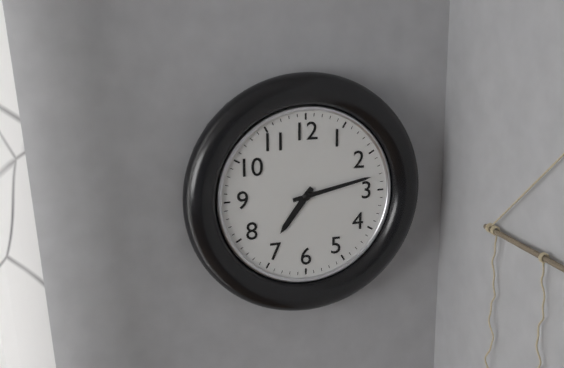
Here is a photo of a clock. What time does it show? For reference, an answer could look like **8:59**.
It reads **7:13**
